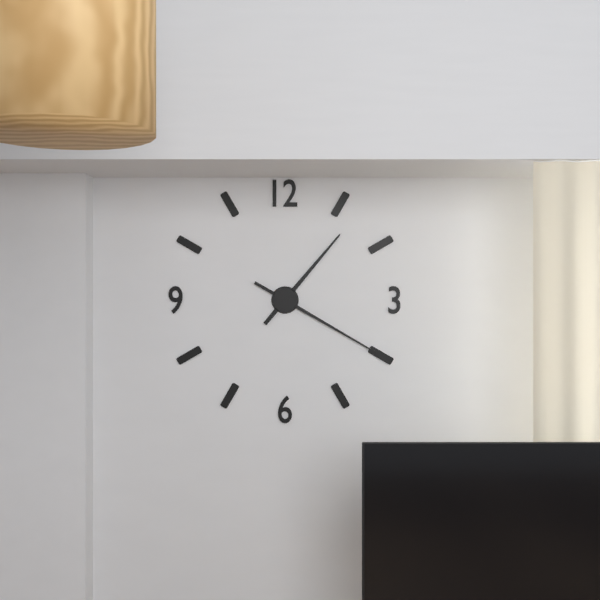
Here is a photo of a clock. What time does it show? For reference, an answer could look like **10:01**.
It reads **1:20**
